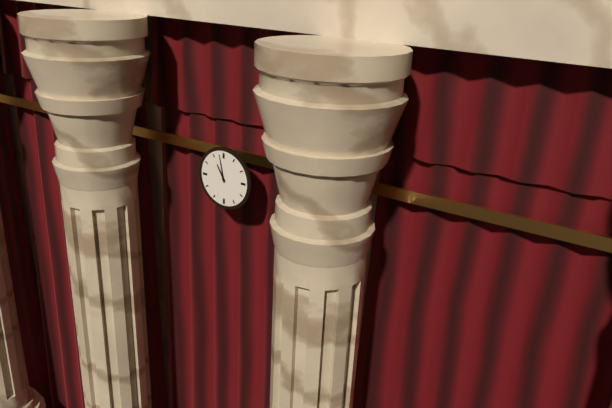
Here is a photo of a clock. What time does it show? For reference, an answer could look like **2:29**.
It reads **10:58**
